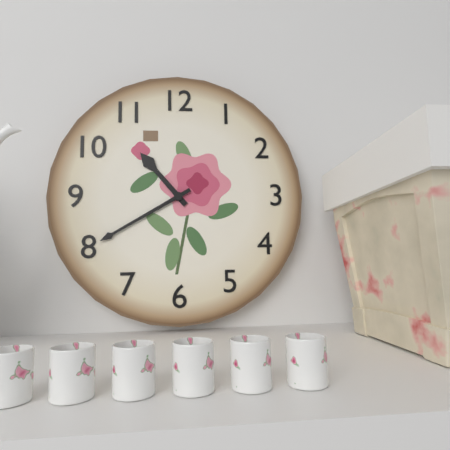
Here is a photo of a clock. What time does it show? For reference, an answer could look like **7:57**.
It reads **10:40**
